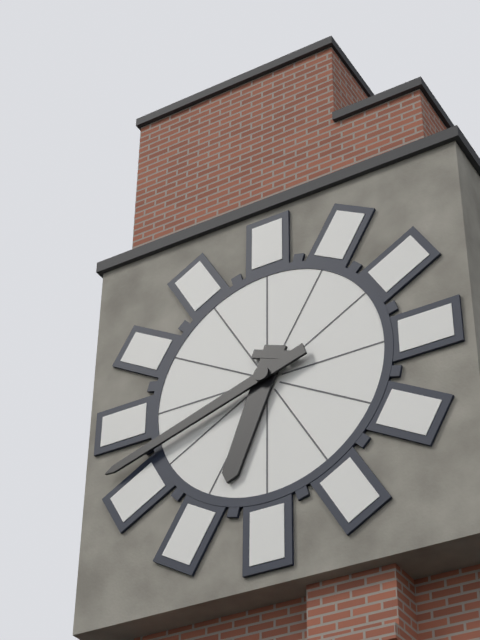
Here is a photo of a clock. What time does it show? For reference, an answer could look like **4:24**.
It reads **6:42**
